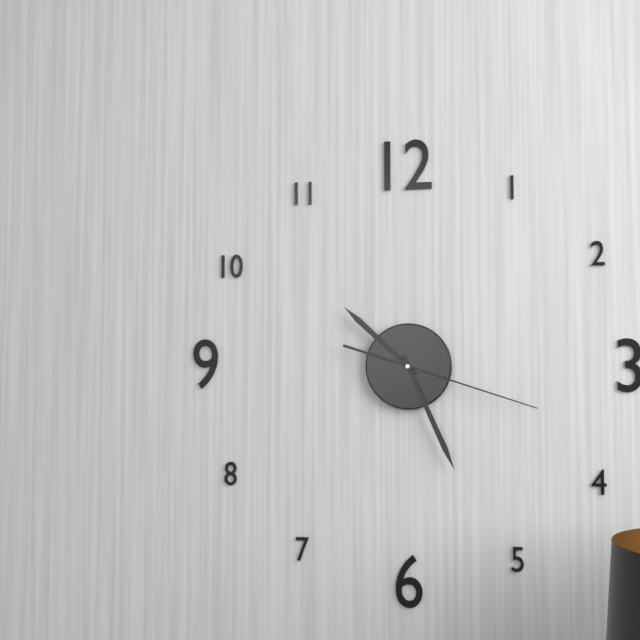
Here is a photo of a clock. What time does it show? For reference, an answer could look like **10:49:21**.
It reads **10:26:18**
